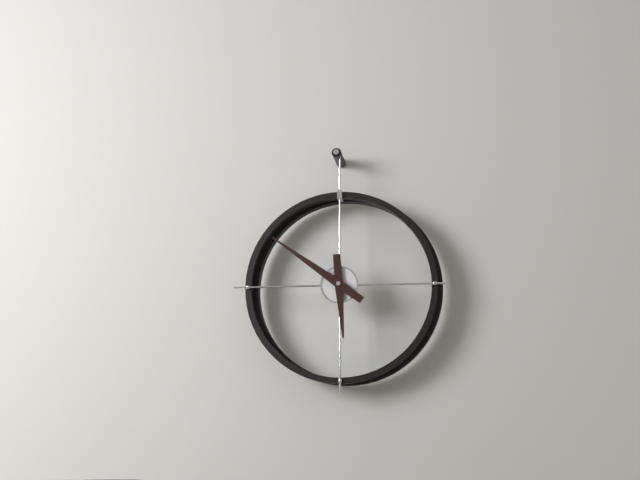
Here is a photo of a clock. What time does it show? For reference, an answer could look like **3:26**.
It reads **5:51**
